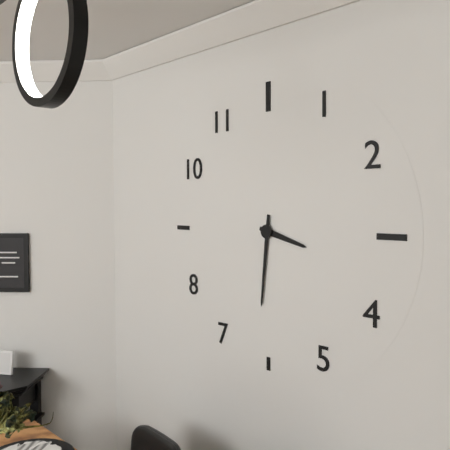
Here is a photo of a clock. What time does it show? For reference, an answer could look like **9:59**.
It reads **3:31**
